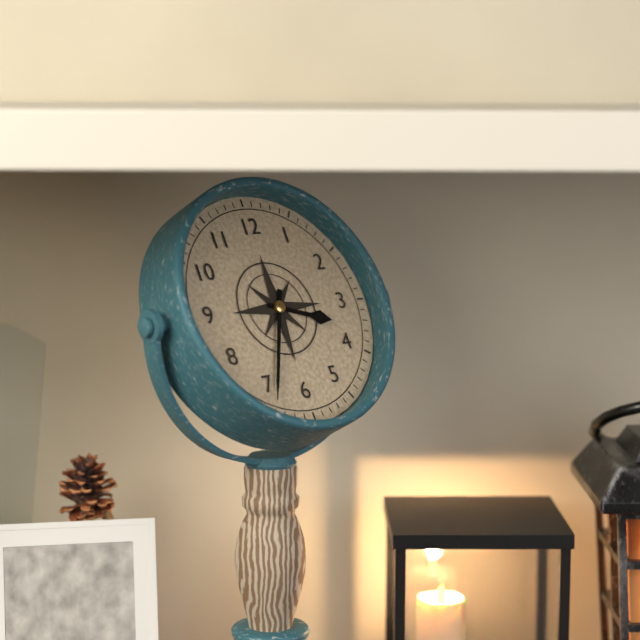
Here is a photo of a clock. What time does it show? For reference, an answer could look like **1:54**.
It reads **3:34**
